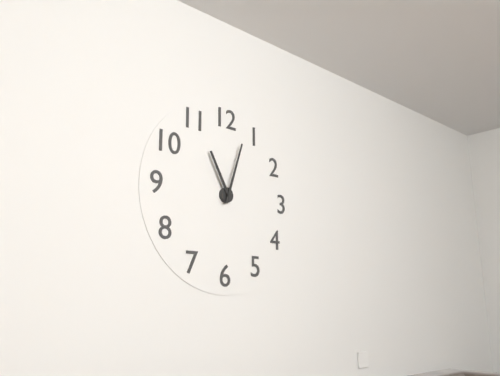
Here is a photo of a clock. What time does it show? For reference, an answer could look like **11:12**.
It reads **11:03**
